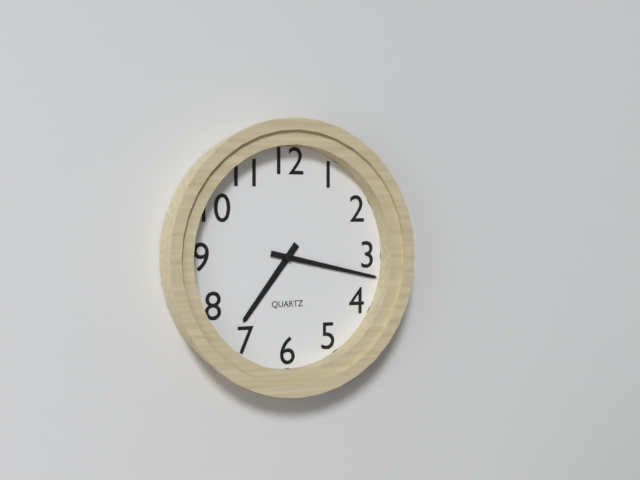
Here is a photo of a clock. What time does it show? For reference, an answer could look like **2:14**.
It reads **7:17**
